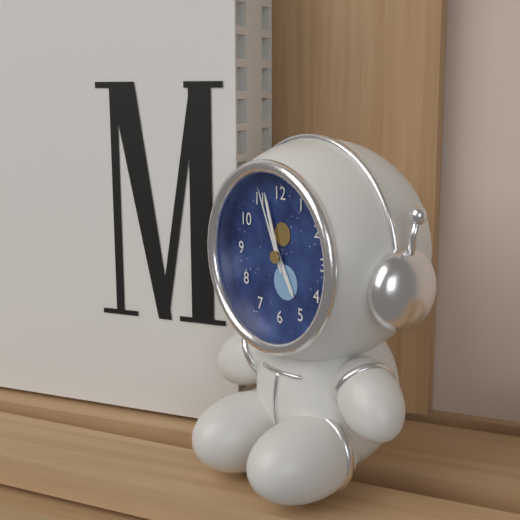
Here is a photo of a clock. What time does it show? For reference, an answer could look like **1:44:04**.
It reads **4:57:56**
